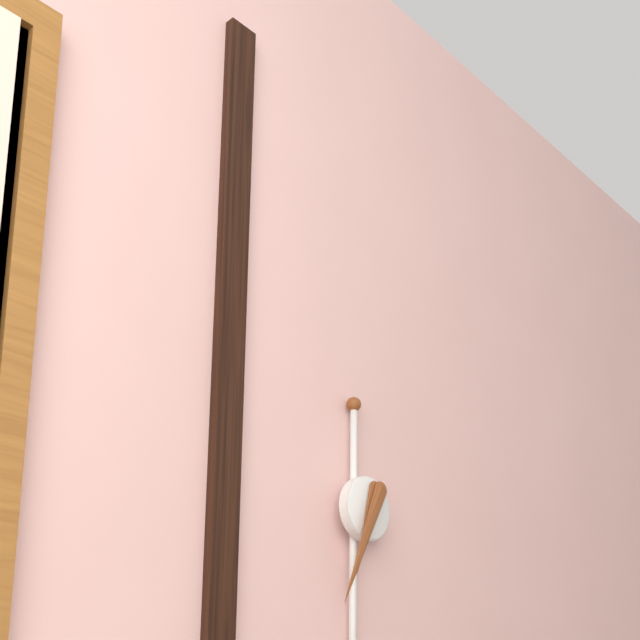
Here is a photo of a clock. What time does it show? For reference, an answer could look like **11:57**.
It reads **6:34**
